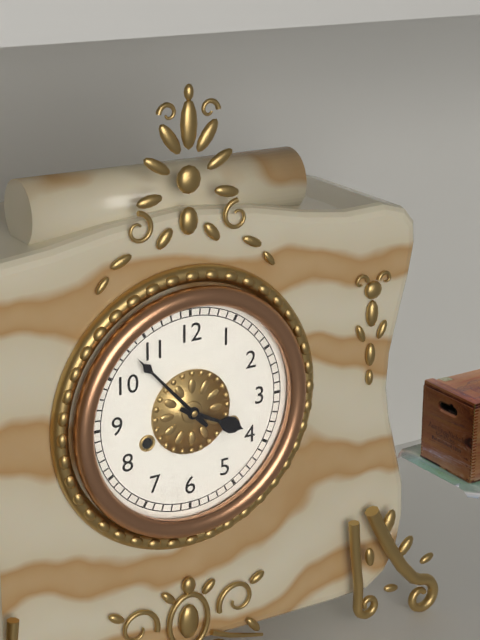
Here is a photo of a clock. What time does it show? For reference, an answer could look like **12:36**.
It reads **3:53**
